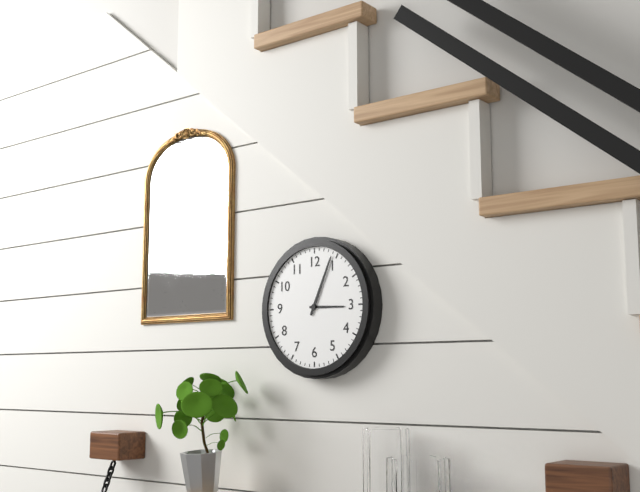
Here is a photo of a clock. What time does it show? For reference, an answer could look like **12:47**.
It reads **3:04**
